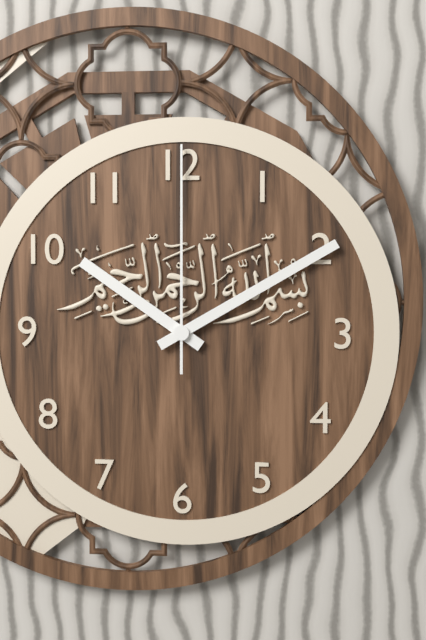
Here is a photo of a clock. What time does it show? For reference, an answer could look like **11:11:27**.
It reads **10:10:00**
